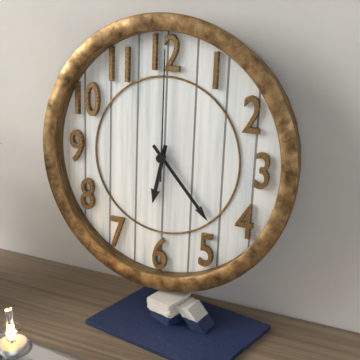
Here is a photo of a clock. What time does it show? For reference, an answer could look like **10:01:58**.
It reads **6:23:00**
